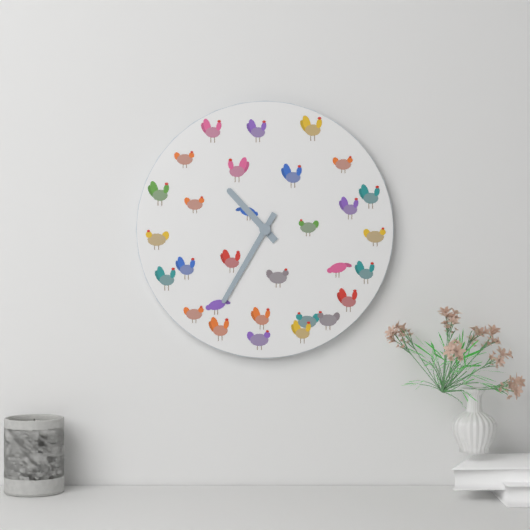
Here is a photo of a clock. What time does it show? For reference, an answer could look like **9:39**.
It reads **10:35**
